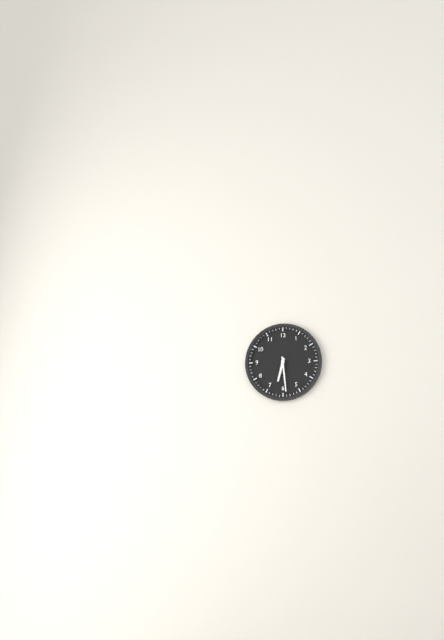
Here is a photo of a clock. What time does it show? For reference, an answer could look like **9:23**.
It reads **6:29**
